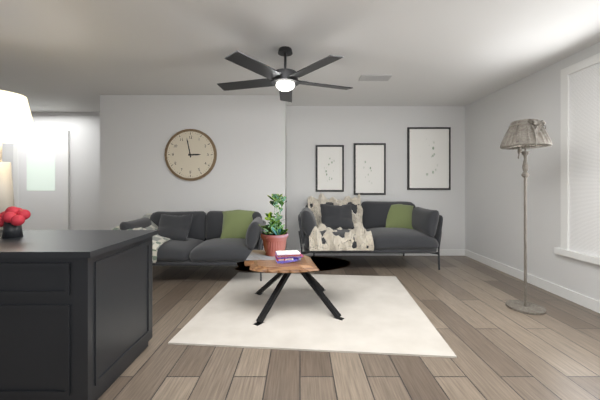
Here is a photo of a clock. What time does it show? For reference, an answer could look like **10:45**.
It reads **2:58**
